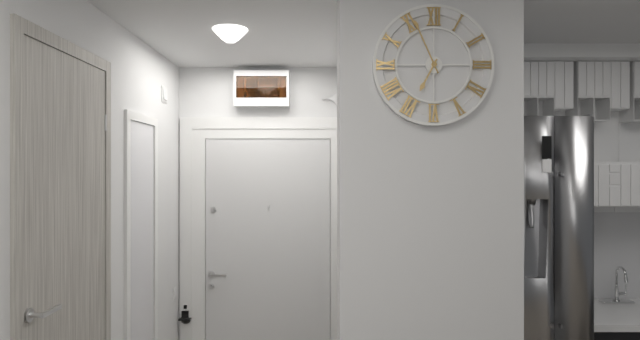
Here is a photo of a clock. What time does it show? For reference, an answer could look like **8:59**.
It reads **6:56**
